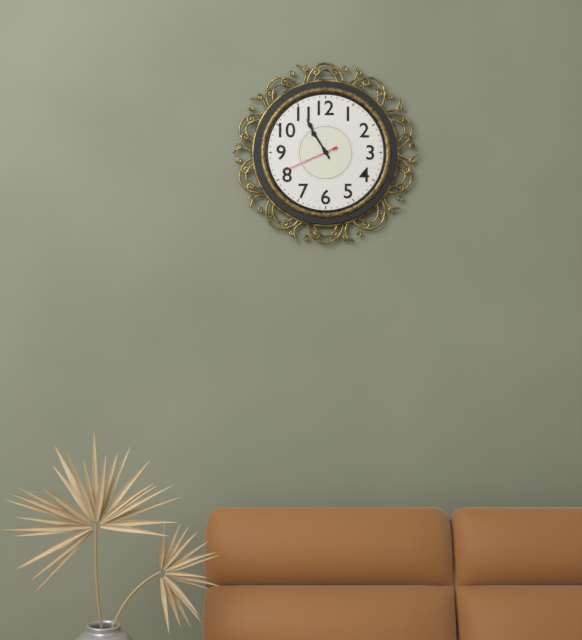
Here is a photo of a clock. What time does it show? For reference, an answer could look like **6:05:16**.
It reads **10:55:41**
